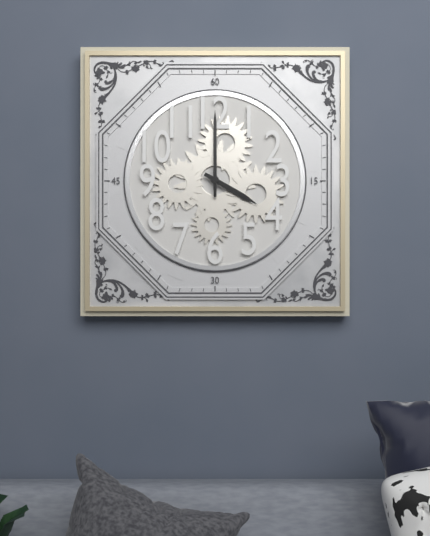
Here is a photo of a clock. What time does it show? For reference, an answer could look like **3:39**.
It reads **4:00**
